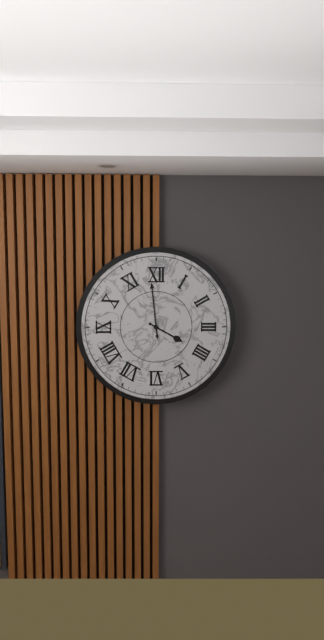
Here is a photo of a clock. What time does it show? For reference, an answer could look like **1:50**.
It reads **3:59**
